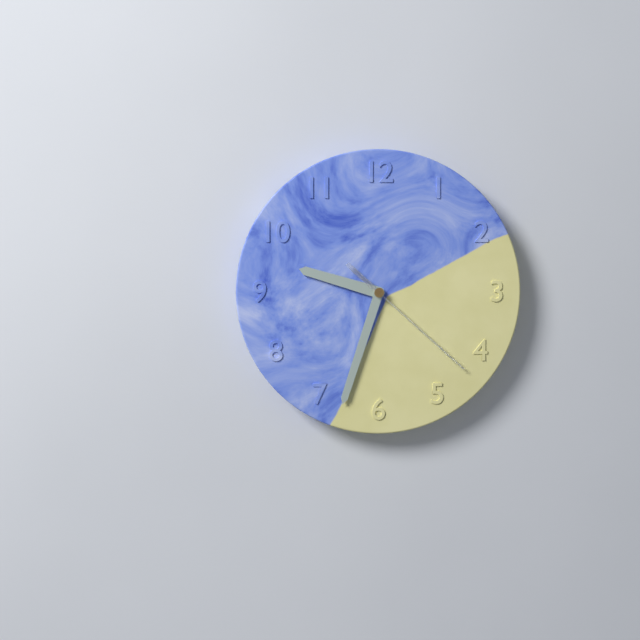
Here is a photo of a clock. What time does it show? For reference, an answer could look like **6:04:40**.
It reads **9:33:22**
